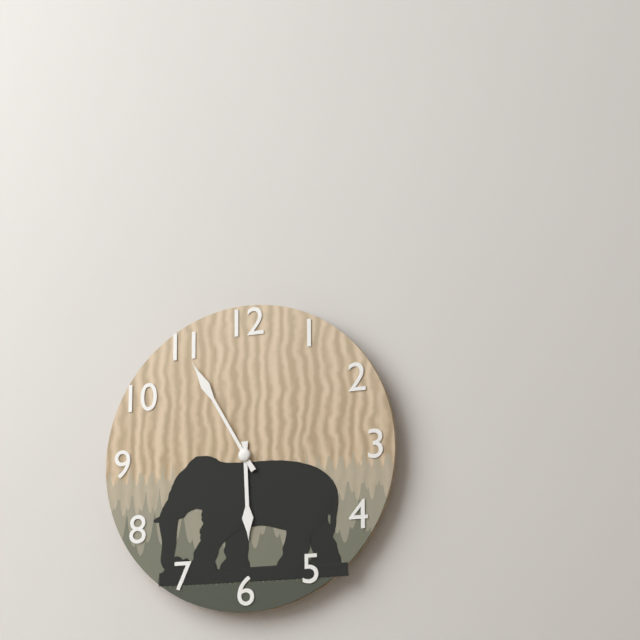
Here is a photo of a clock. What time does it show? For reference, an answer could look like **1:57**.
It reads **5:55**
